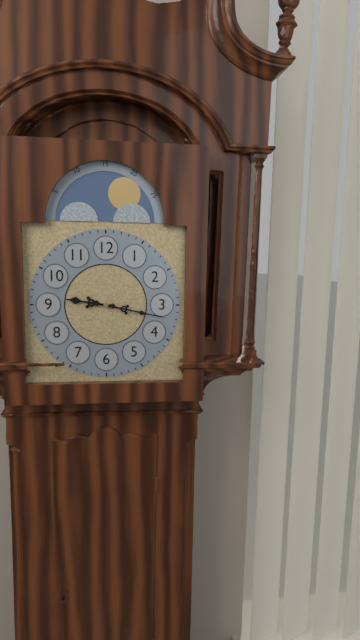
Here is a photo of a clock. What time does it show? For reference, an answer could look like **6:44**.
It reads **9:17**
